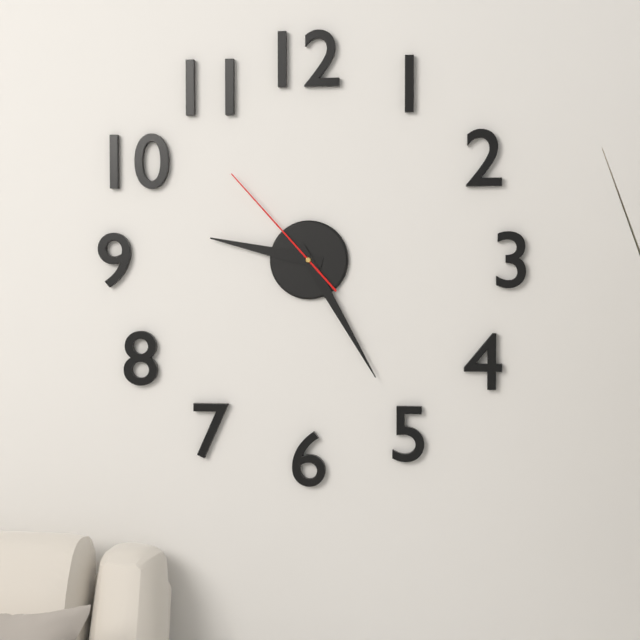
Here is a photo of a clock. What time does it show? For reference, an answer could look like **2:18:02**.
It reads **9:25:53**
